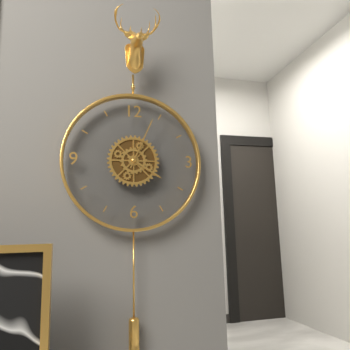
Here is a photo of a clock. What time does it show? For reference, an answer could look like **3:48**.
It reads **4:04**
